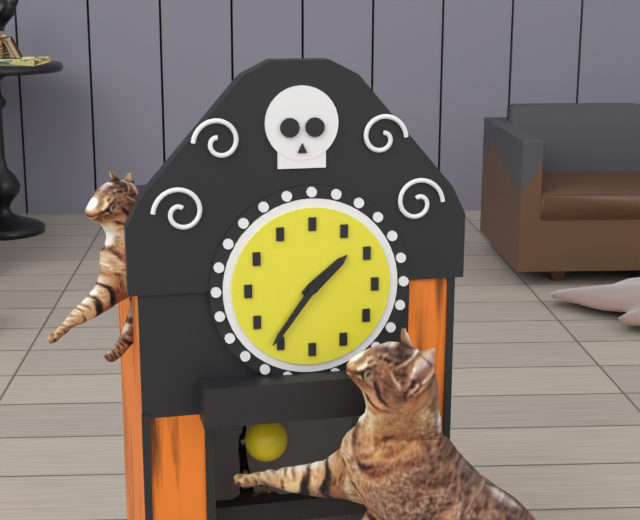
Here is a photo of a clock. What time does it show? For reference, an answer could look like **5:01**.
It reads **1:36**
